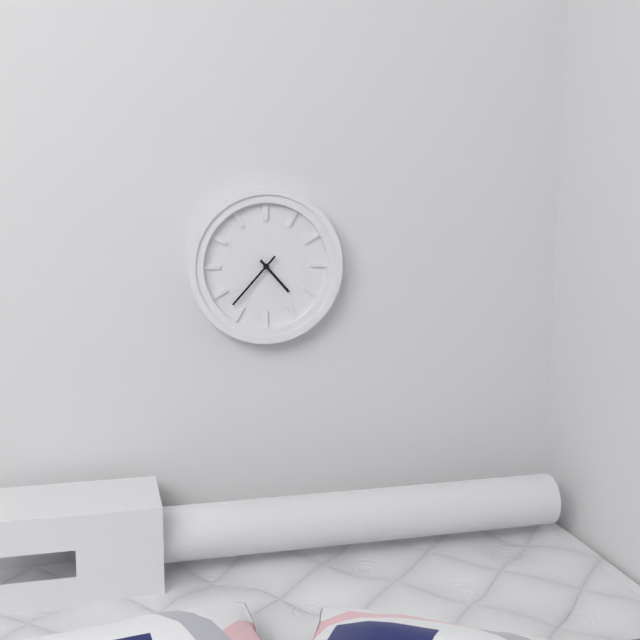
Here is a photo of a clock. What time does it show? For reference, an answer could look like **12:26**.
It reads **4:37**
